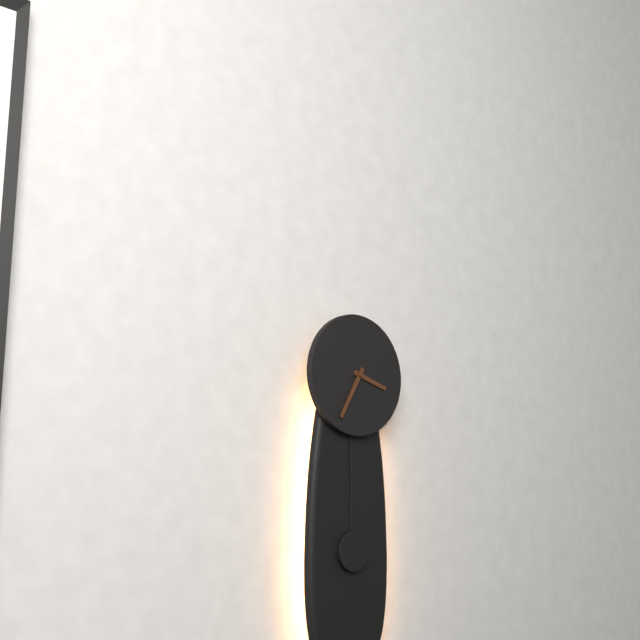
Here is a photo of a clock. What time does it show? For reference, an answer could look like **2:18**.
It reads **3:35**
